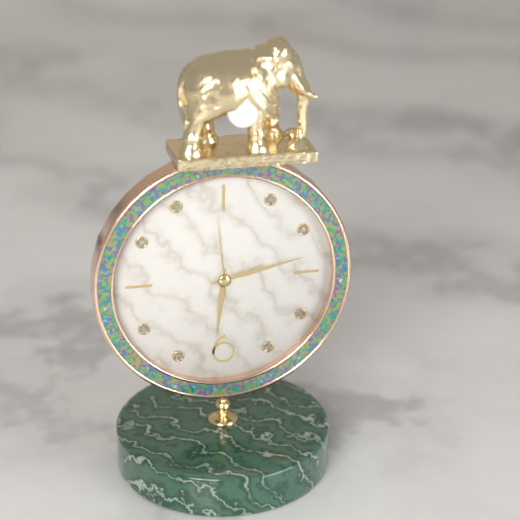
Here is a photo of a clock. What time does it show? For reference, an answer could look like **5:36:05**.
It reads **6:13:59**
